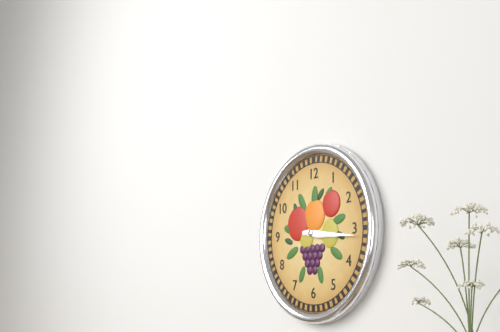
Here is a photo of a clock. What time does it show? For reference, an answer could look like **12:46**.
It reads **3:16**
